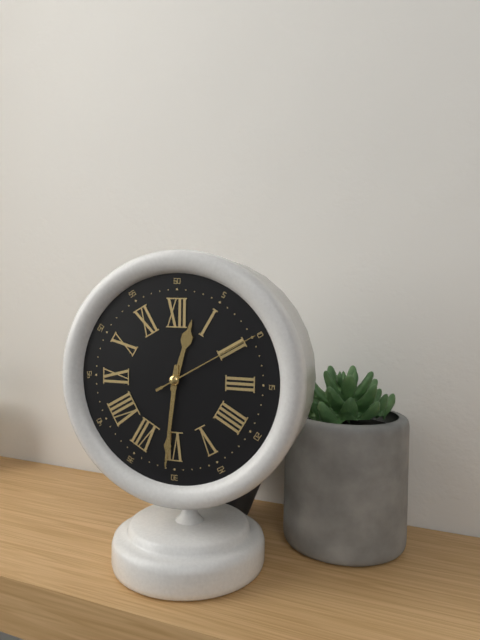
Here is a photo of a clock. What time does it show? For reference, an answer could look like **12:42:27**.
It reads **12:31:10**
